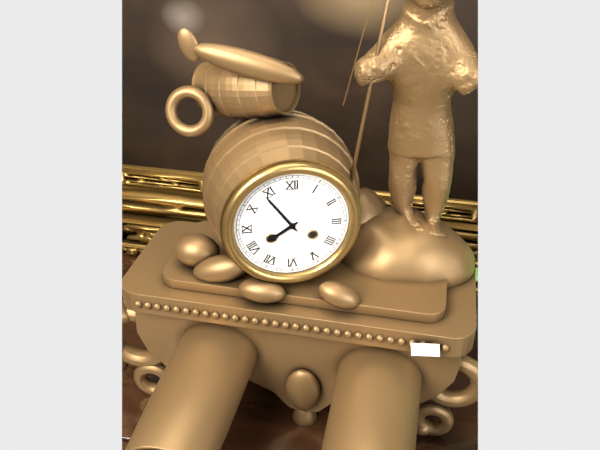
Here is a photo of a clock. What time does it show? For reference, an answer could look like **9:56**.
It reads **7:54**
